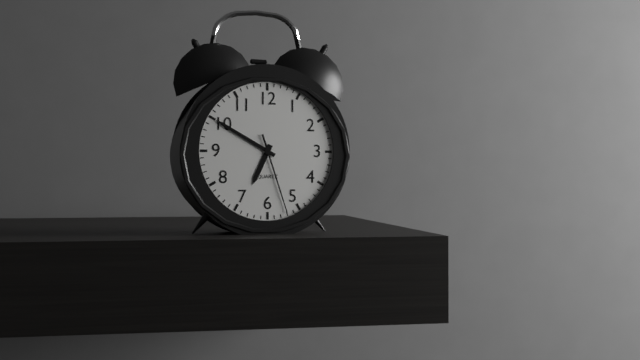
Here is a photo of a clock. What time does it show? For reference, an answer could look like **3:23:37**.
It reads **6:50:27**
